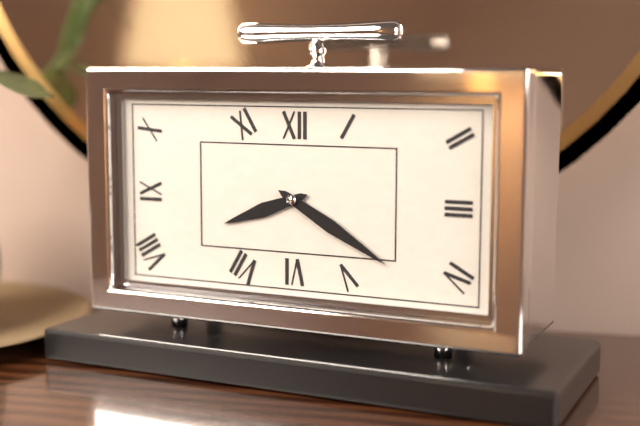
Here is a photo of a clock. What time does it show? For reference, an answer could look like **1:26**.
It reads **8:20**
